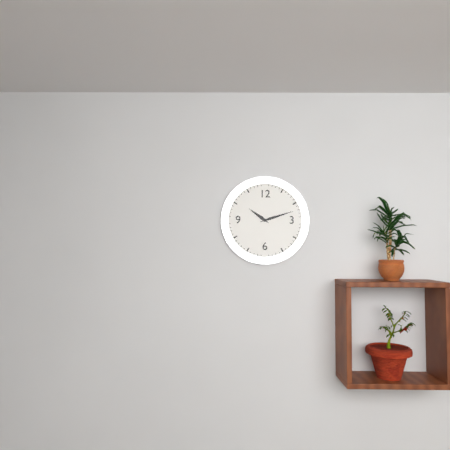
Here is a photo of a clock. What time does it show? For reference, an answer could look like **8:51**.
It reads **10:12**
